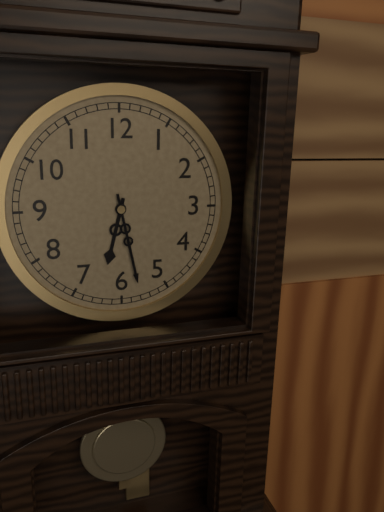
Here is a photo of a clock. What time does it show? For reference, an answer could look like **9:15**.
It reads **6:28**
